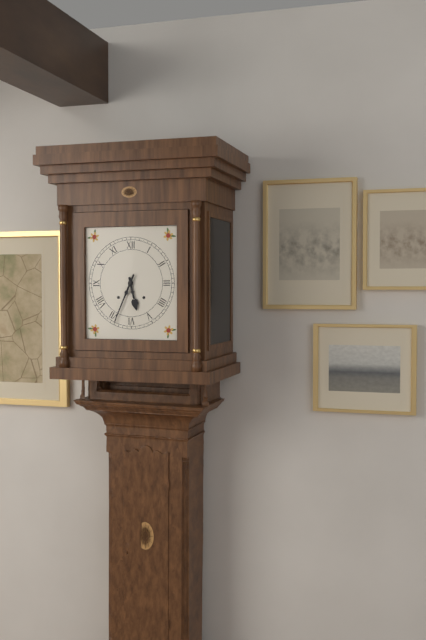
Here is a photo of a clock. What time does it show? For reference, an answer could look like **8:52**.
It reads **5:34**
